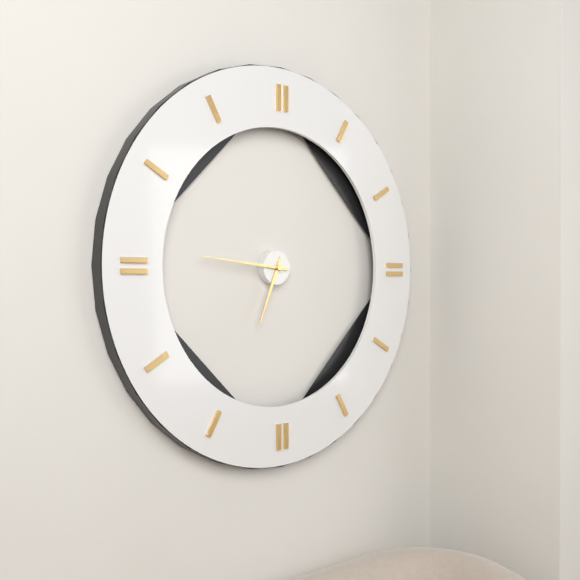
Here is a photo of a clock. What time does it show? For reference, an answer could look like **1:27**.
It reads **6:46**
